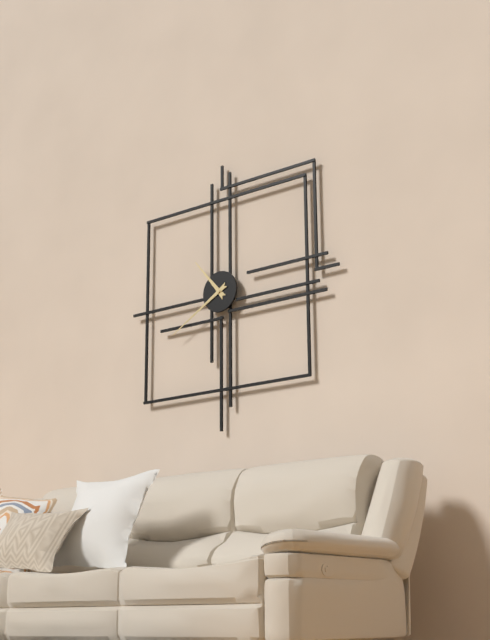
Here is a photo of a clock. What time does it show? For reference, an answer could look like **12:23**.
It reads **10:40**
